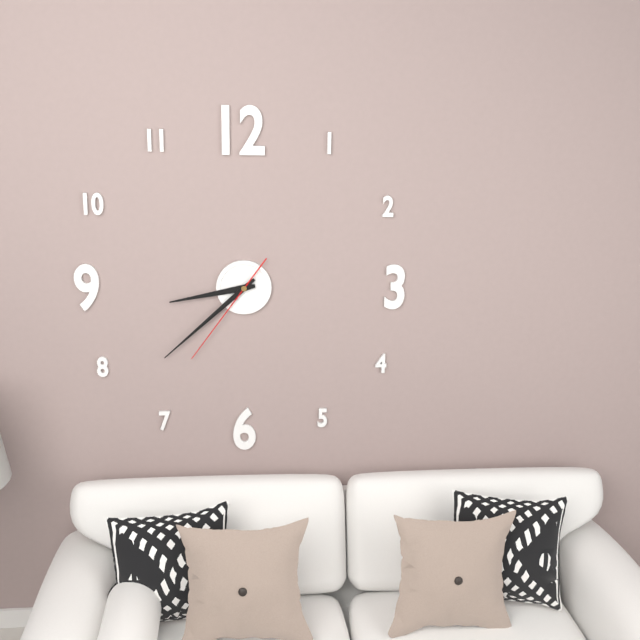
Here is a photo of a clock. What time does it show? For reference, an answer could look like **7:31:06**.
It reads **8:38:36**
